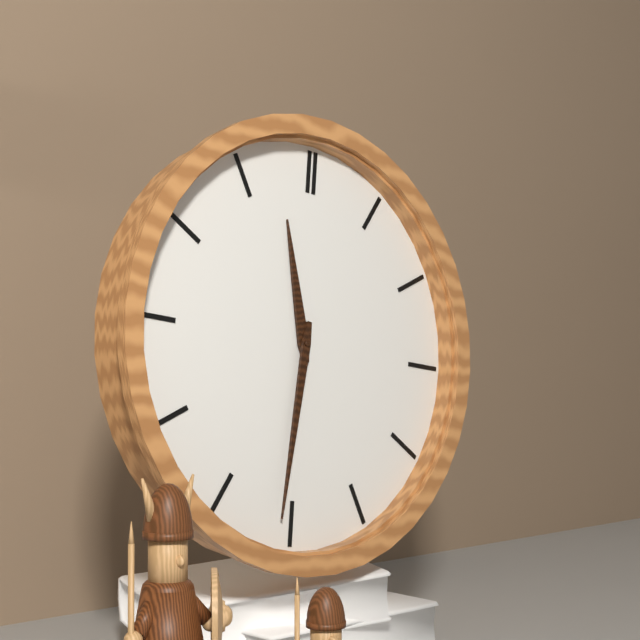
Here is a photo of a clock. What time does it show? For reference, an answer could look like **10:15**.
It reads **11:31**
